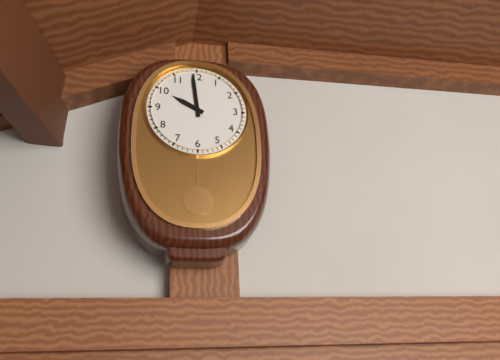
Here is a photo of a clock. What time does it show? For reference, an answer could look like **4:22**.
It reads **9:59**
